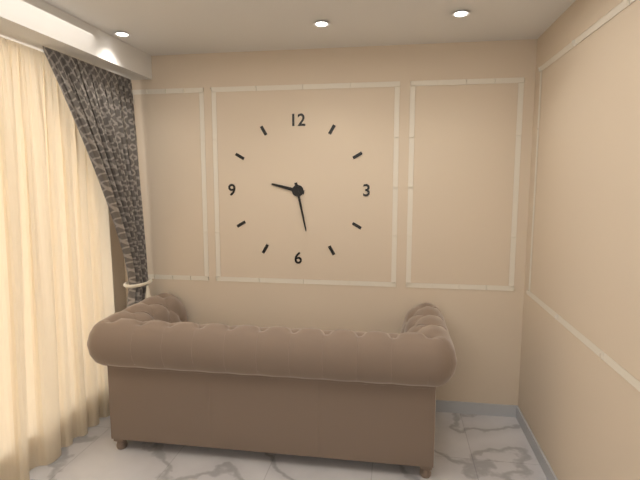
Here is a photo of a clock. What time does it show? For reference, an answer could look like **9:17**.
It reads **9:28**
